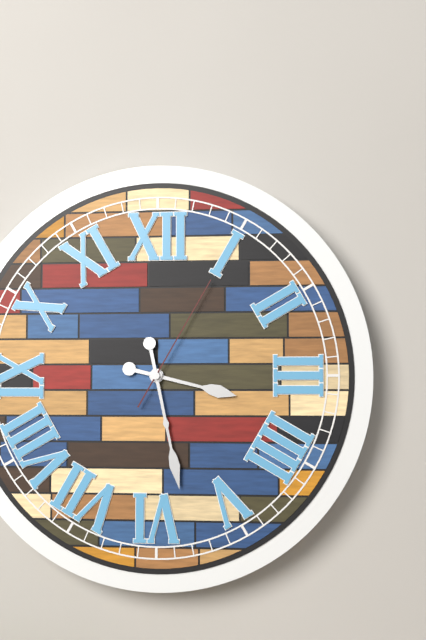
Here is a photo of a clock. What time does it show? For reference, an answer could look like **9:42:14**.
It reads **3:28:05**
